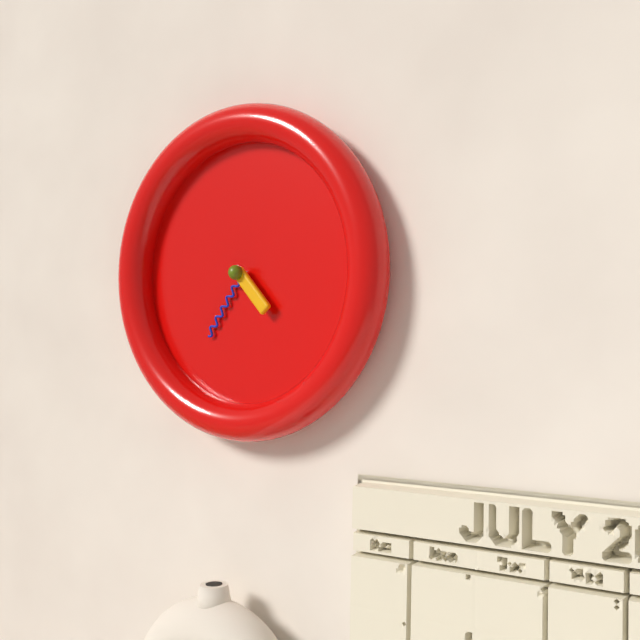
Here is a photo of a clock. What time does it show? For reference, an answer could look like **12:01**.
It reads **4:36**
